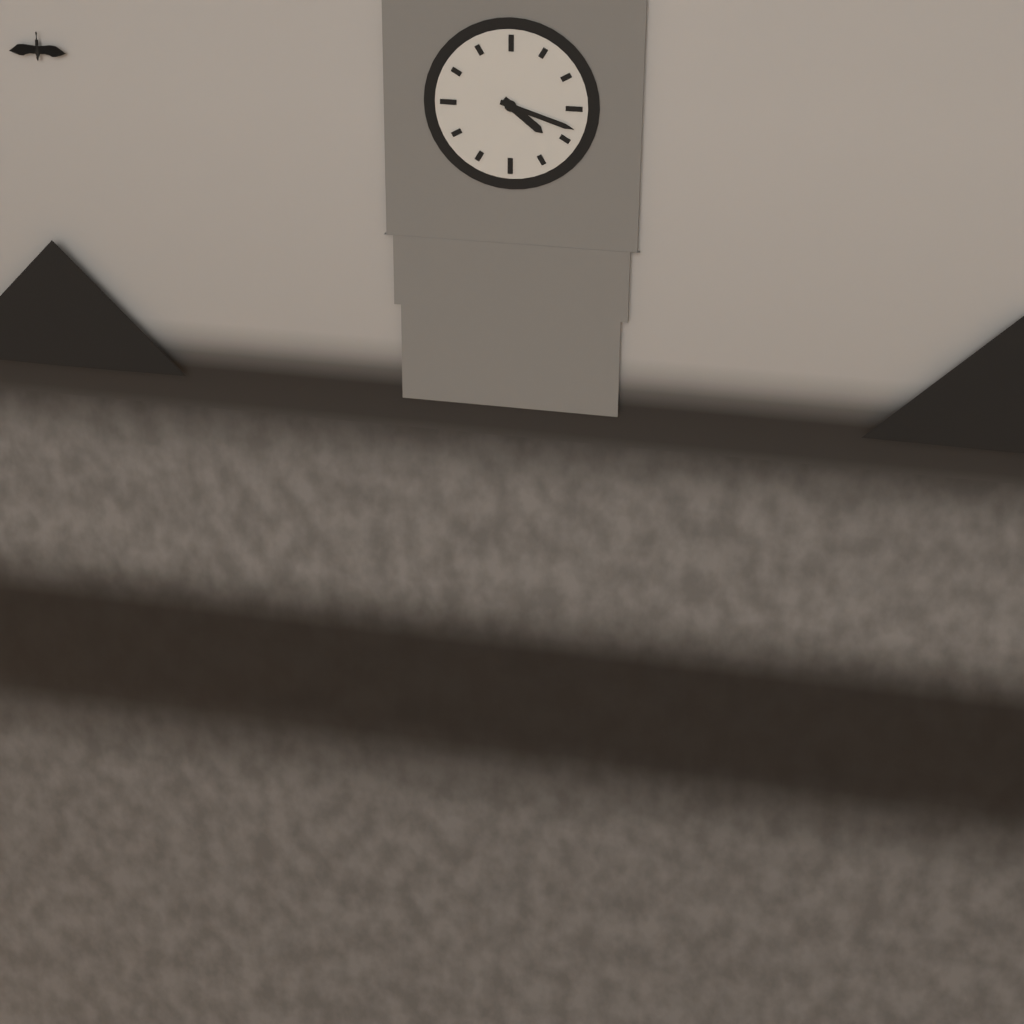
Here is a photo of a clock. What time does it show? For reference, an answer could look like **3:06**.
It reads **4:18**
